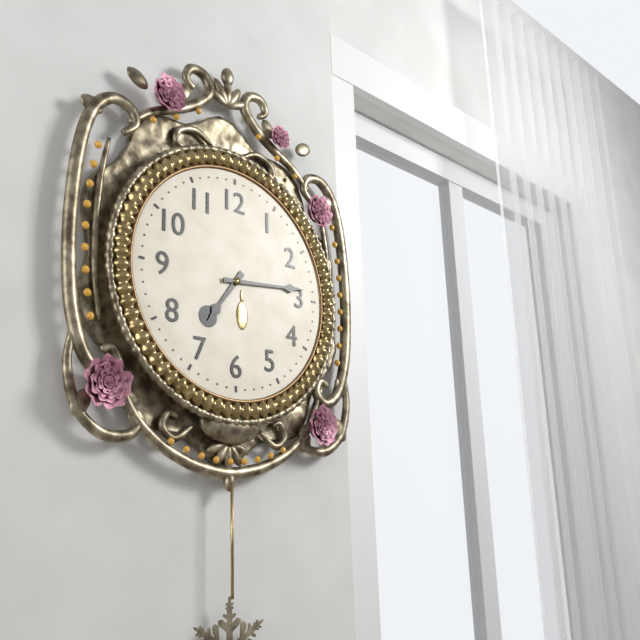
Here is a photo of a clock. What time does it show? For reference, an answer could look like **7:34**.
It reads **7:14**
